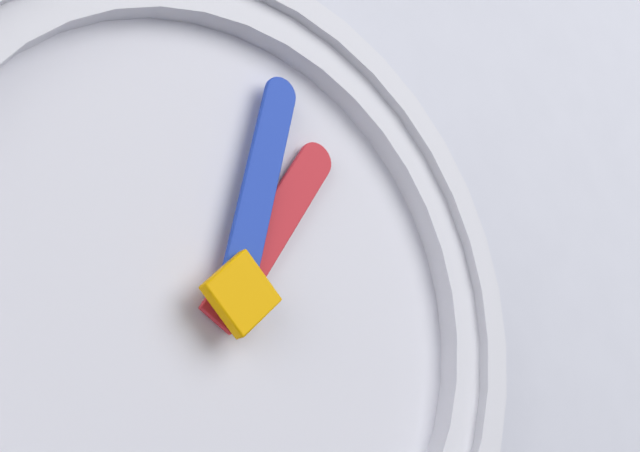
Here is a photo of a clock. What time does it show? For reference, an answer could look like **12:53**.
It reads **1:02**
